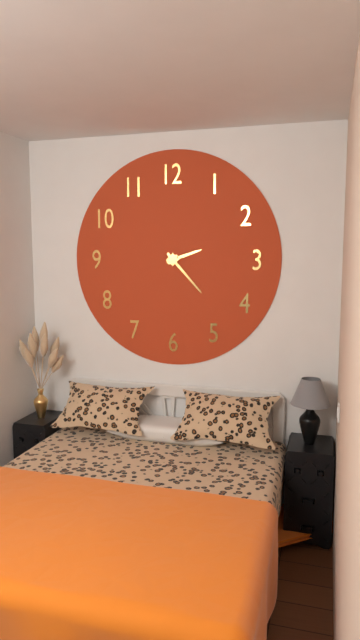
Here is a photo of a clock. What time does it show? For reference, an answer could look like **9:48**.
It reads **2:23**
